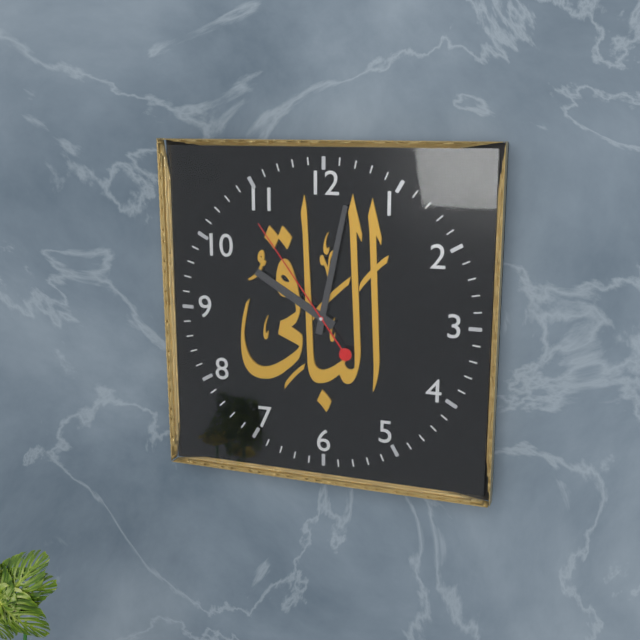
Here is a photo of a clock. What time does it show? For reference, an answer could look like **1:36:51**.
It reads **10:02:54**
